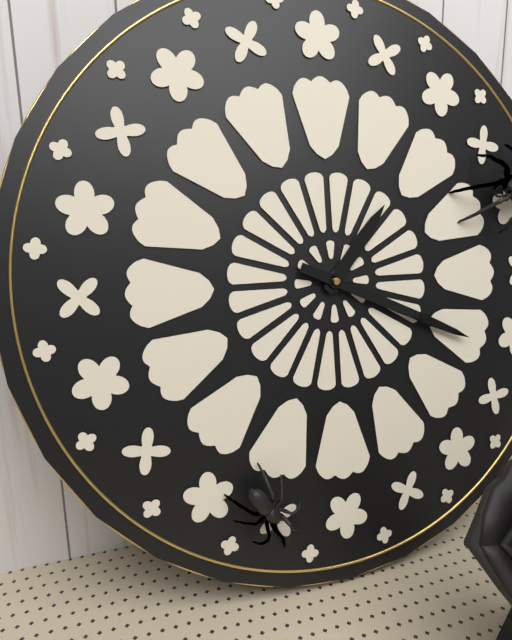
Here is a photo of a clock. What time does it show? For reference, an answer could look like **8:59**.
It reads **1:19**
